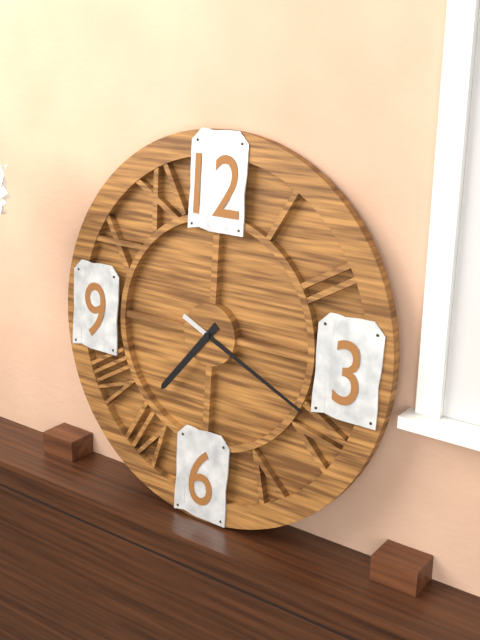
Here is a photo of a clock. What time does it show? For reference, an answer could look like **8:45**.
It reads **7:19**
